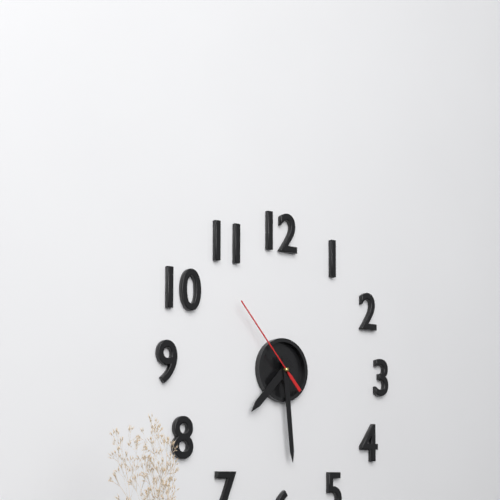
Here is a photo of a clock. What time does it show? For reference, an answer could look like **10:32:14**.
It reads **7:29:53**
